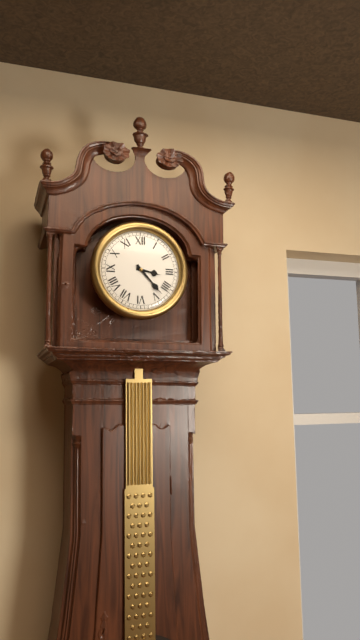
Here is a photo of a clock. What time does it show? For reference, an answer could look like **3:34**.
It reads **3:23**
